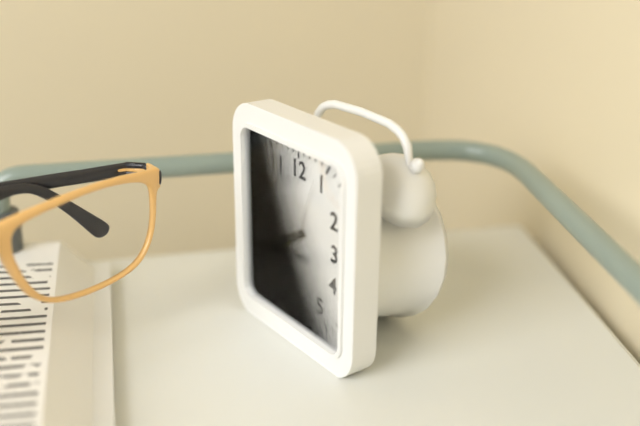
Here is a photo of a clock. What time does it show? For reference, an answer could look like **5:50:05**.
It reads **7:41:04**
